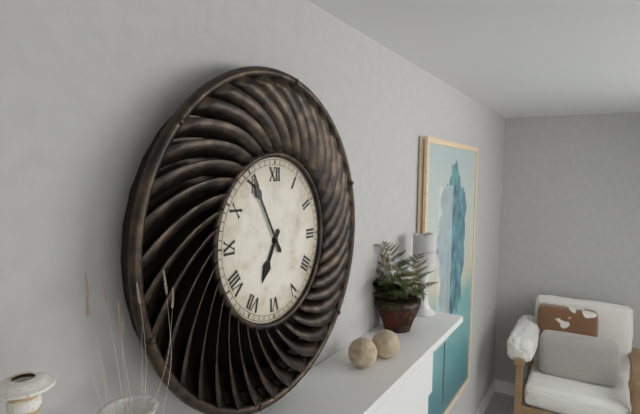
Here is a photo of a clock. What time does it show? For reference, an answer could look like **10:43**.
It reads **6:55**
